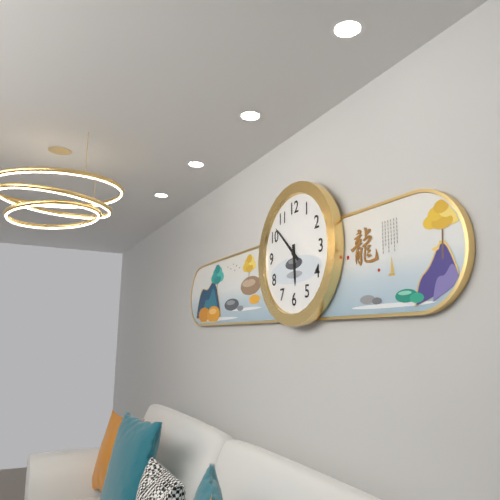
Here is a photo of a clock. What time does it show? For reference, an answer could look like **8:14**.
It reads **5:52**
